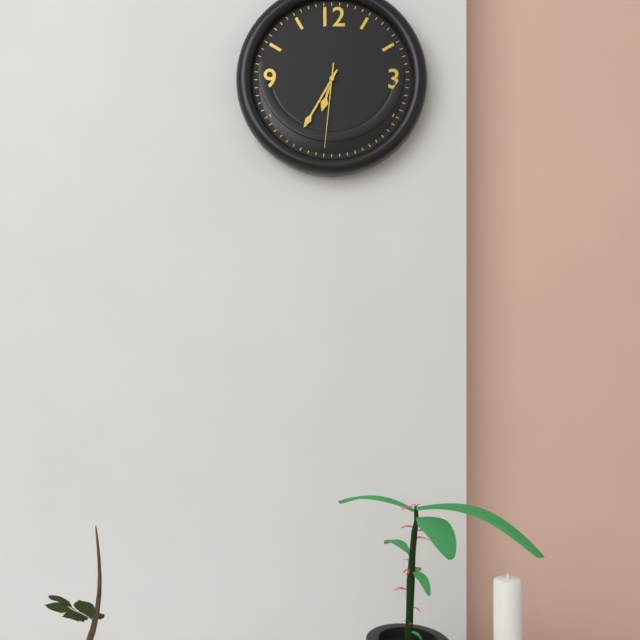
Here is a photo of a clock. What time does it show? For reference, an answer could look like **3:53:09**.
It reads **6:35:31**
